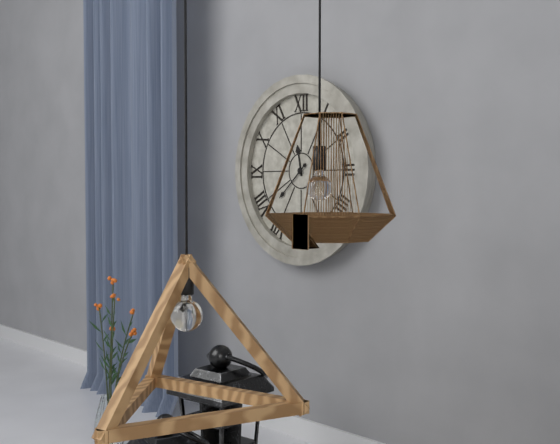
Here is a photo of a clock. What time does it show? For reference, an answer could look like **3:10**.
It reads **11:38**
